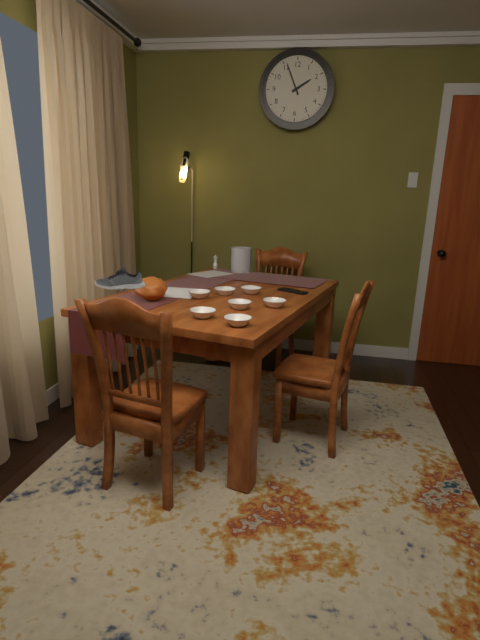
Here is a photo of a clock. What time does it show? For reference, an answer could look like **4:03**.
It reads **1:56**
